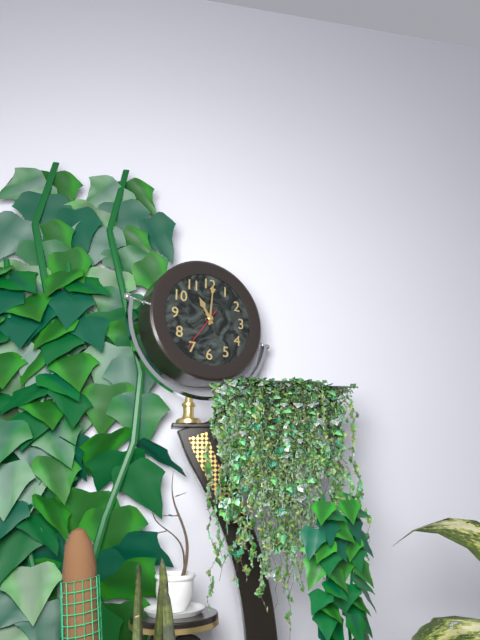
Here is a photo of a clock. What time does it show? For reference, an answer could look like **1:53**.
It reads **11:01**
